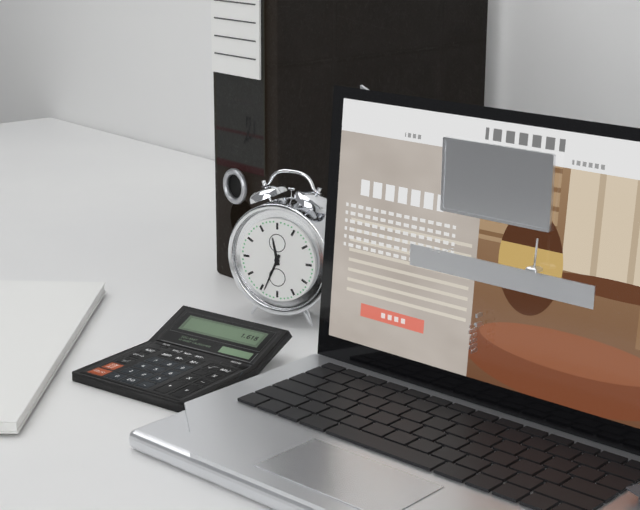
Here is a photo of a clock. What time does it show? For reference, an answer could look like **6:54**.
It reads **11:34**
